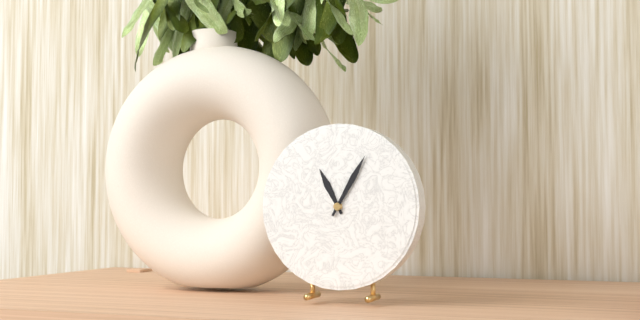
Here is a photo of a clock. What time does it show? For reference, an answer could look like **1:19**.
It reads **11:05**
